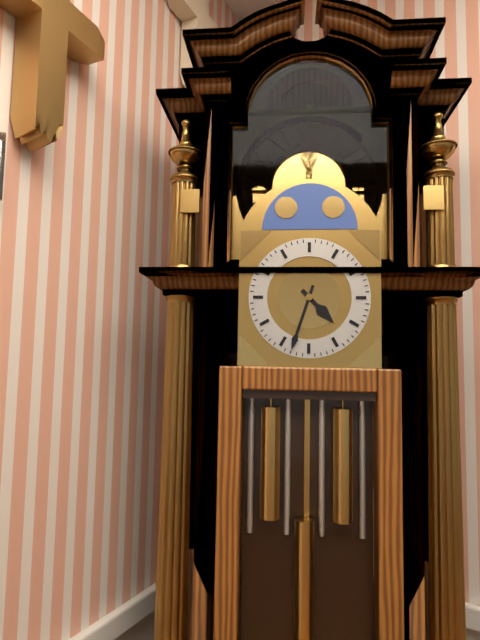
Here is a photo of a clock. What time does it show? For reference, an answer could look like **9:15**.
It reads **4:33**
